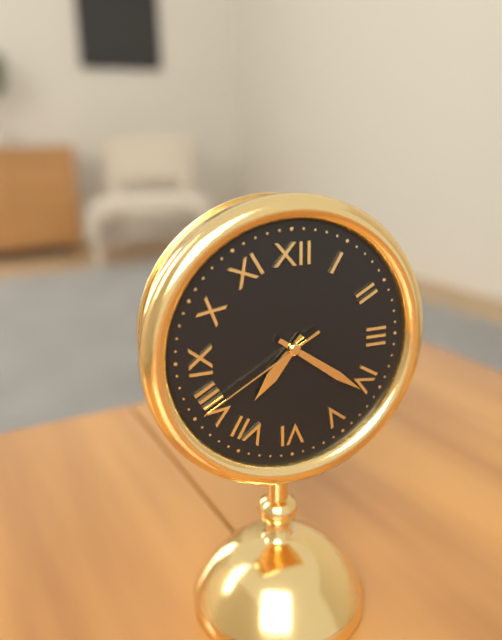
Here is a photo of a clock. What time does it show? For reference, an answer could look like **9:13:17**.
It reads **7:21:40**
